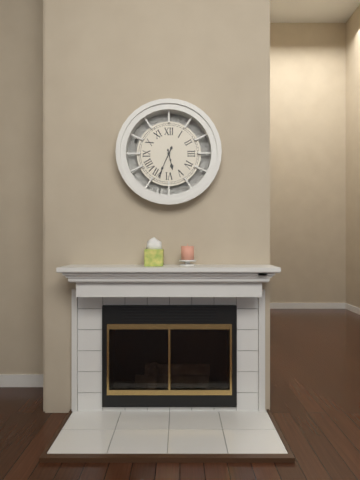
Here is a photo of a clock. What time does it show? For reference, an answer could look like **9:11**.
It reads **5:34**
